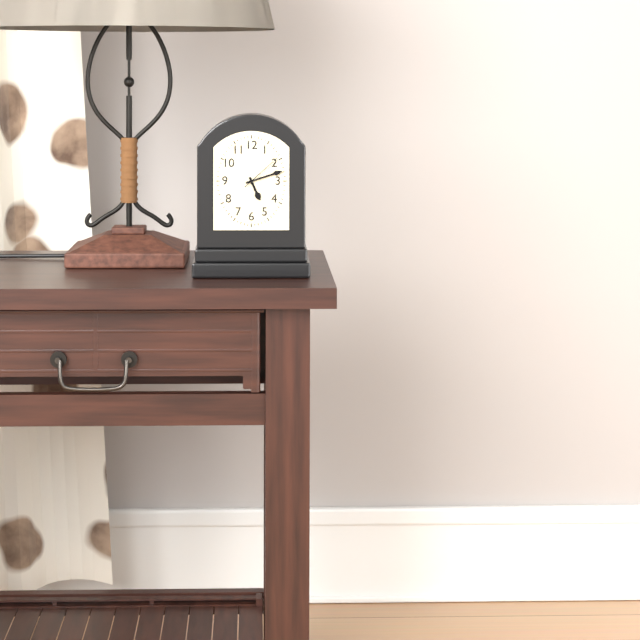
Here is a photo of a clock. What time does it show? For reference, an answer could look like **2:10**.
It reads **5:12**
